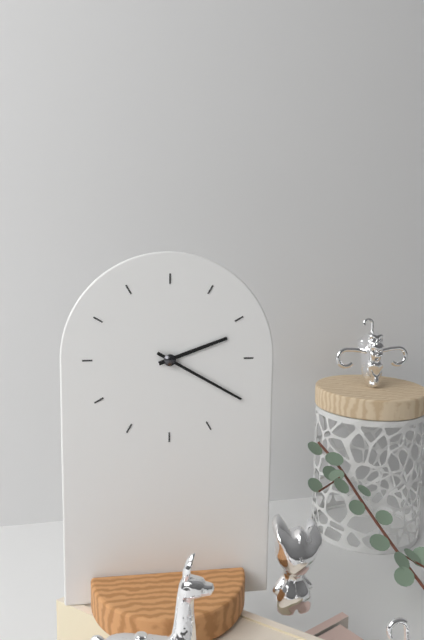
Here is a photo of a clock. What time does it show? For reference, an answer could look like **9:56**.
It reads **2:20**
